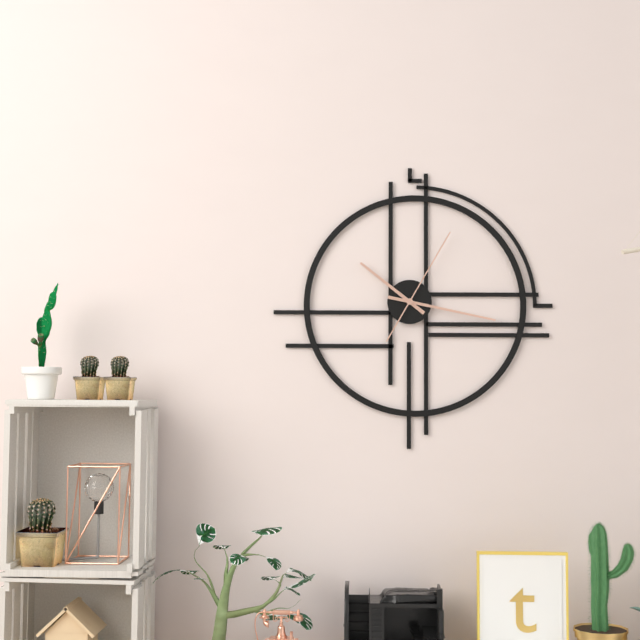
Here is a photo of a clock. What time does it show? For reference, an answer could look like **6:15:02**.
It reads **10:17:05**
